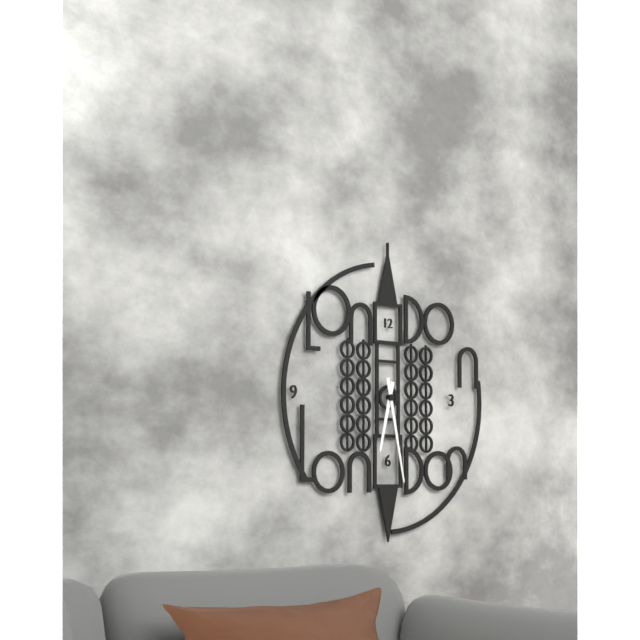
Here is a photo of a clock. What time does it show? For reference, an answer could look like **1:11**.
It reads **6:28**
